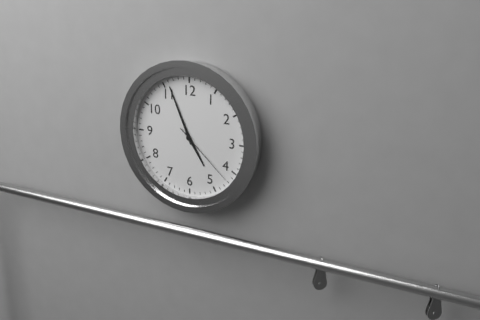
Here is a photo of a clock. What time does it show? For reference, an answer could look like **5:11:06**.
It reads **4:56:22**
